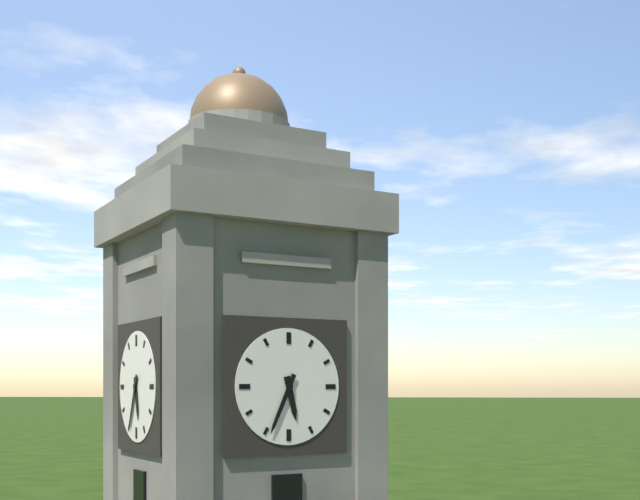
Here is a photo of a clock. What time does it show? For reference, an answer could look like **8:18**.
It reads **5:34**
